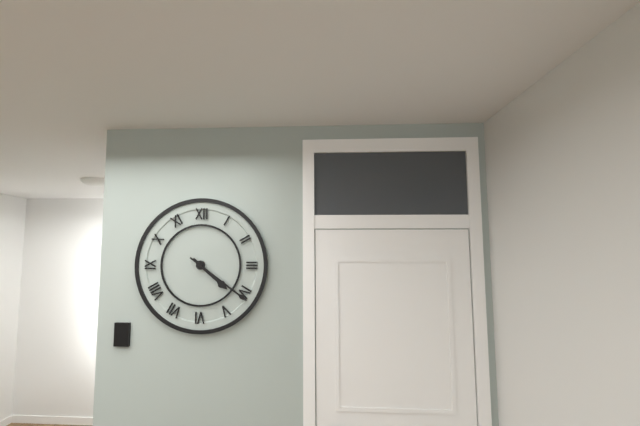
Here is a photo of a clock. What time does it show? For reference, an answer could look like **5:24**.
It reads **4:21**
